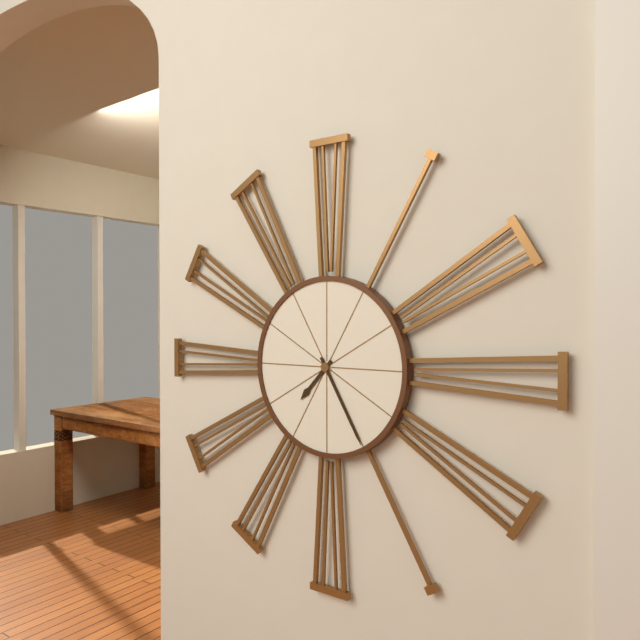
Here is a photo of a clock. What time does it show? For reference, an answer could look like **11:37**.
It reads **7:25**
